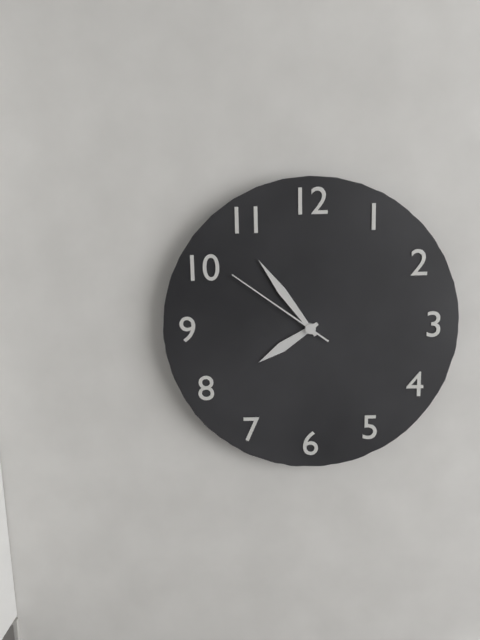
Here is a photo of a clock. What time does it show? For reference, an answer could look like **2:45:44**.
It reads **7:54:51**
